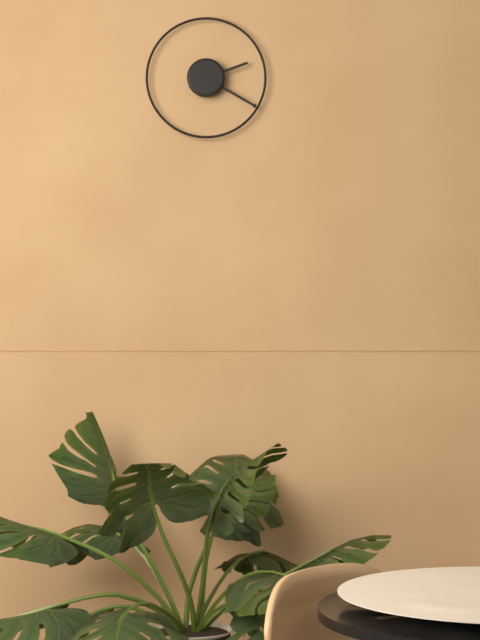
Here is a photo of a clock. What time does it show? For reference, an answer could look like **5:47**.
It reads **2:20**
